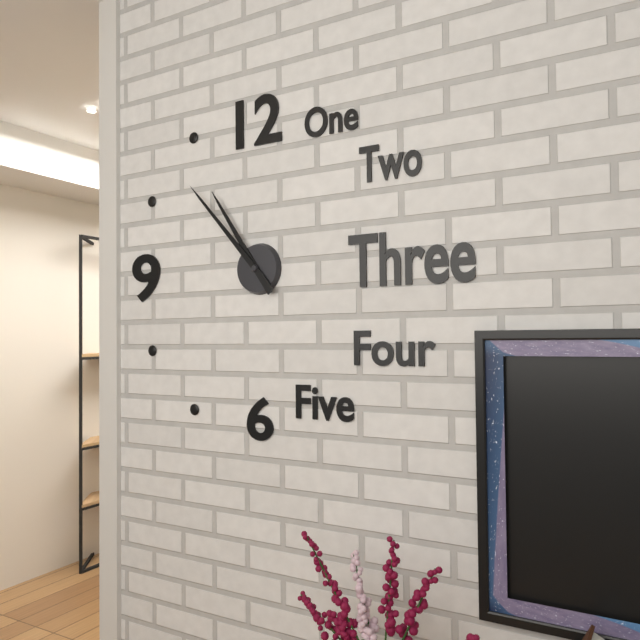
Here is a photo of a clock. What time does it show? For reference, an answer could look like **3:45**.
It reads **10:53**
